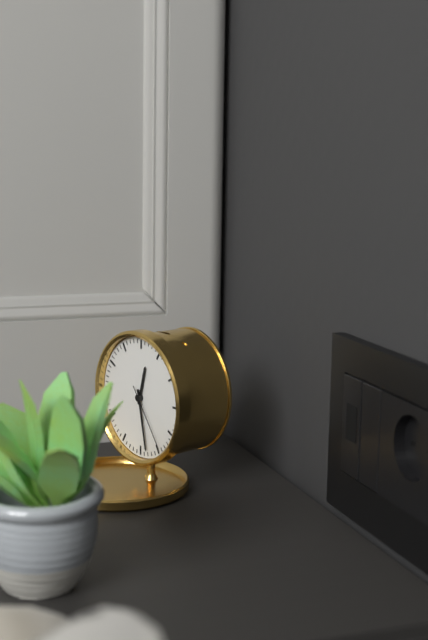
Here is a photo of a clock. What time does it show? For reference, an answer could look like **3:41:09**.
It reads **12:28:24**
